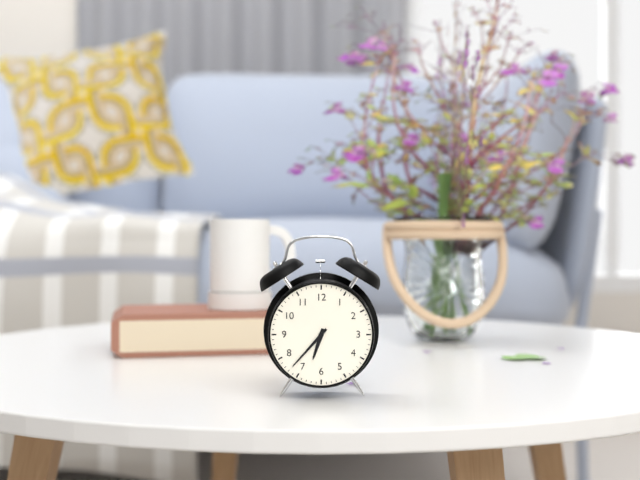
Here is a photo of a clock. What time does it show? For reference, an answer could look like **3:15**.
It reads **6:37**
